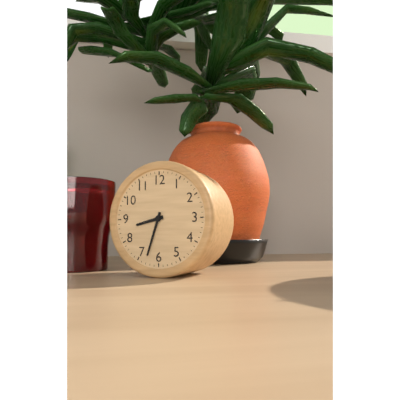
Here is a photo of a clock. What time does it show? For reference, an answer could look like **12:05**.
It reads **8:33**
